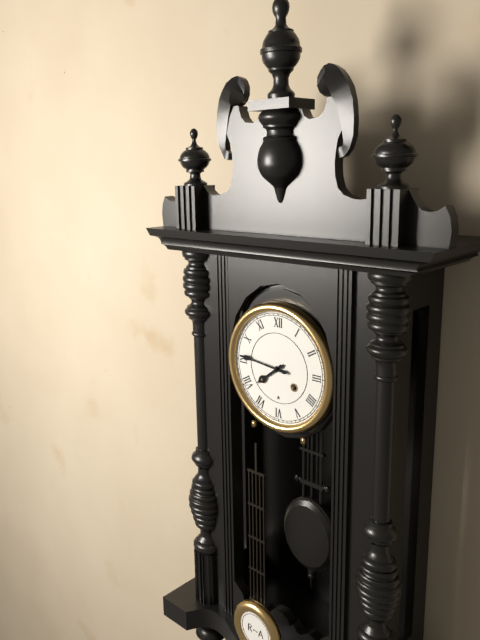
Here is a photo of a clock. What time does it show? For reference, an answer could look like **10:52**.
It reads **7:46**
